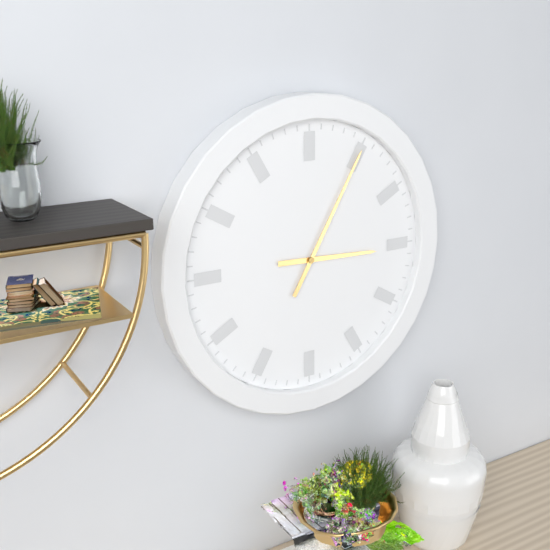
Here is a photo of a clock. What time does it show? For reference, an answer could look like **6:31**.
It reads **3:05**
